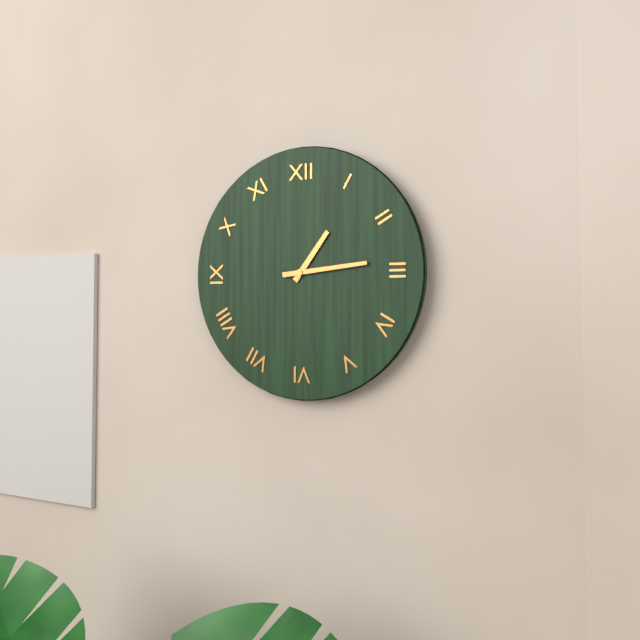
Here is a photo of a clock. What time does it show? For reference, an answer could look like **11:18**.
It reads **1:14**
